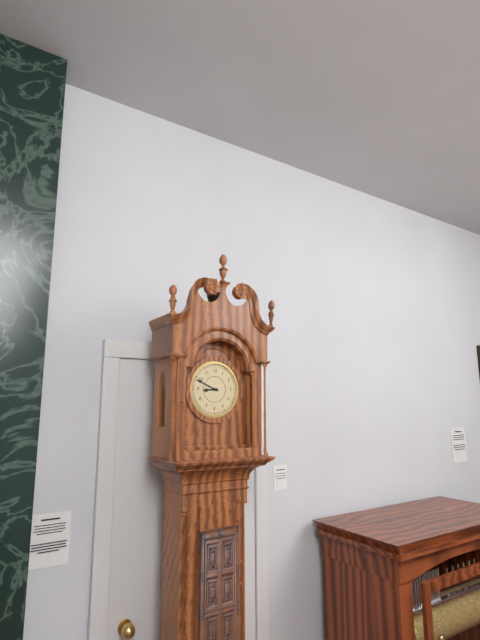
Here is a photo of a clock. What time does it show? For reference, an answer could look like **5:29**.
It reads **8:49**
